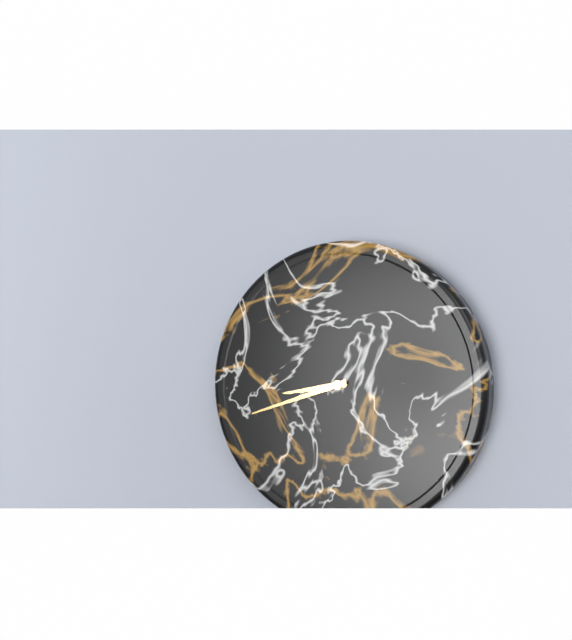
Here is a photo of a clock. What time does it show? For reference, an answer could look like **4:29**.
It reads **8:42**
